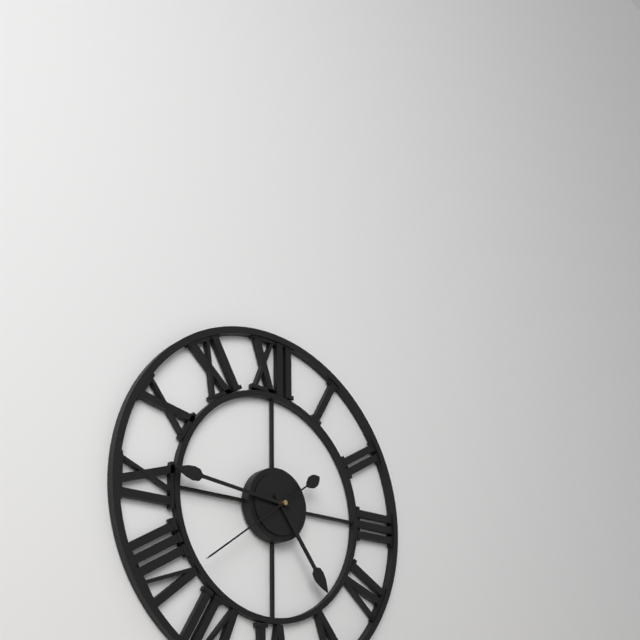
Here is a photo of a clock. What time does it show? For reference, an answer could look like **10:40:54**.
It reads **4:46:39**
